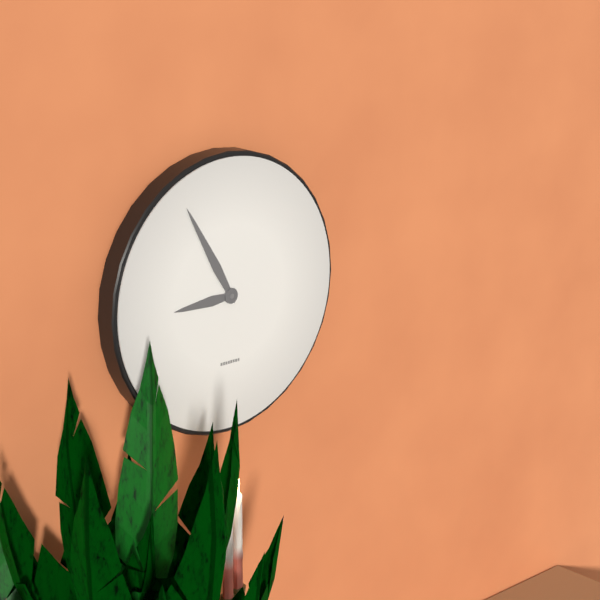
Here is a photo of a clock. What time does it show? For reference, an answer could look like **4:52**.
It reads **8:55**
